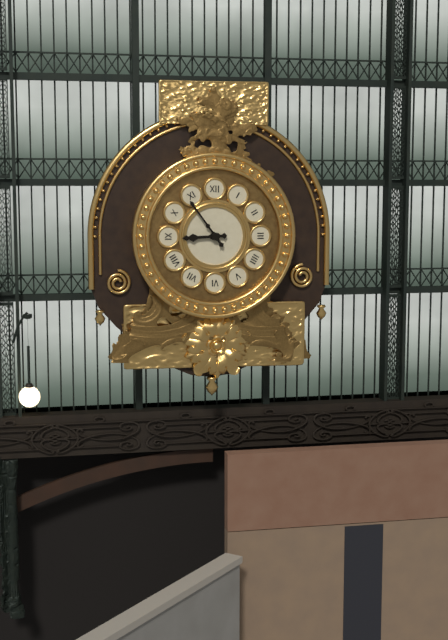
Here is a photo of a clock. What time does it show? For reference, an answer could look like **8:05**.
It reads **8:54**
